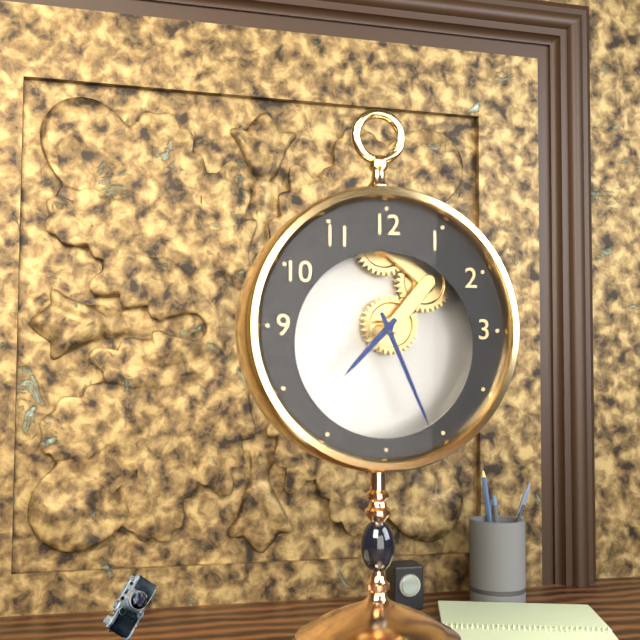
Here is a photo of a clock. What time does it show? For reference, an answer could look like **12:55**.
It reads **7:26**
